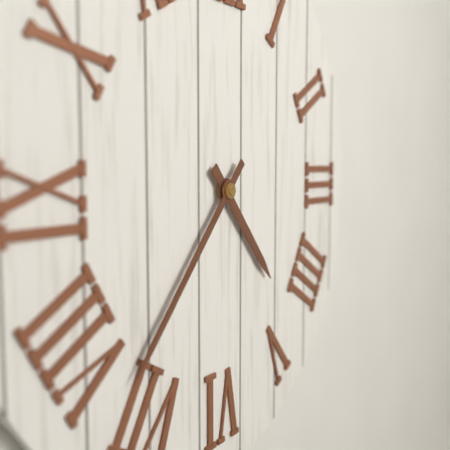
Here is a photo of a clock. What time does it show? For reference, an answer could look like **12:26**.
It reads **4:37**
